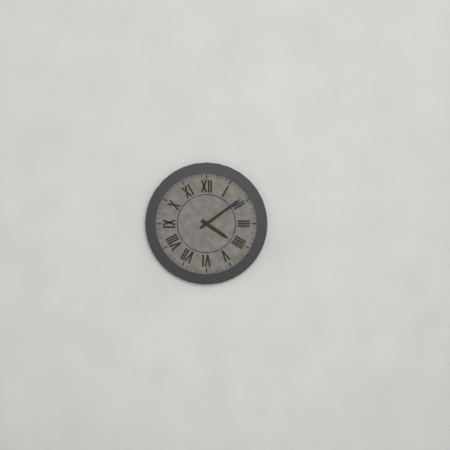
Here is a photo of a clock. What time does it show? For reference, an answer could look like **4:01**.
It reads **4:09**
